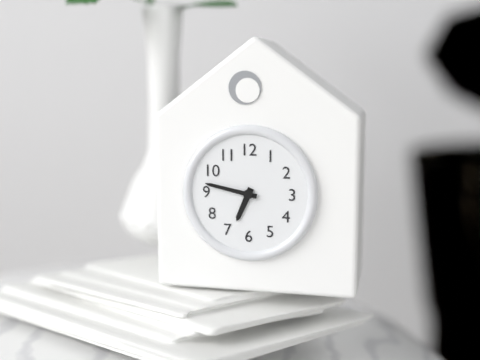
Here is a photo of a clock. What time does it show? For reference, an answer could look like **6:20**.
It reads **6:47**
